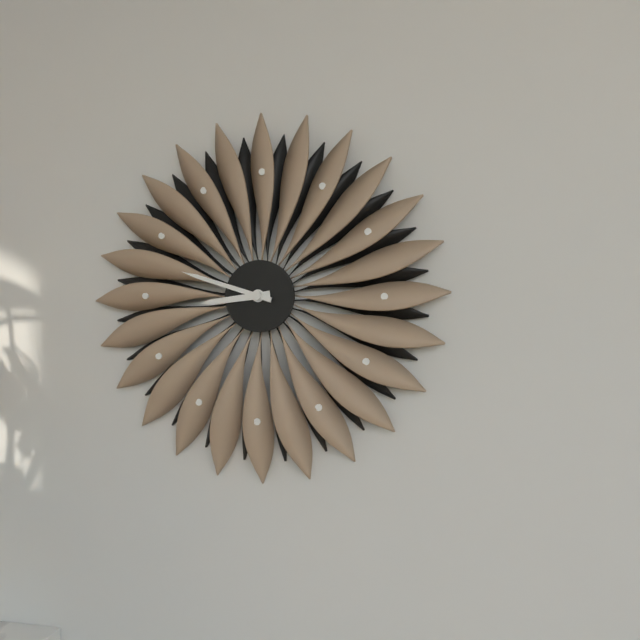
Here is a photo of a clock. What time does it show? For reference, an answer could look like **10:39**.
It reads **8:48**
